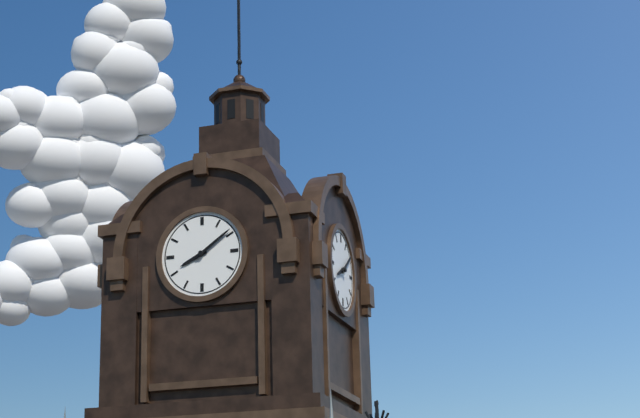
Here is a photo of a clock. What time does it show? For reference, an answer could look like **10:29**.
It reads **8:09**
